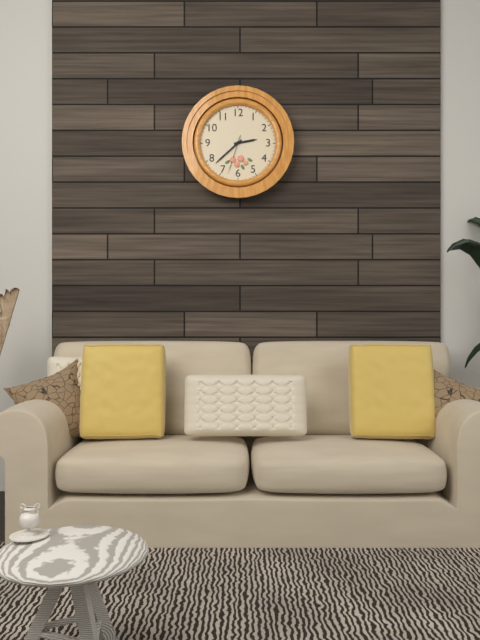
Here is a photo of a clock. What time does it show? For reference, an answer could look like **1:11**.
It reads **2:38**
